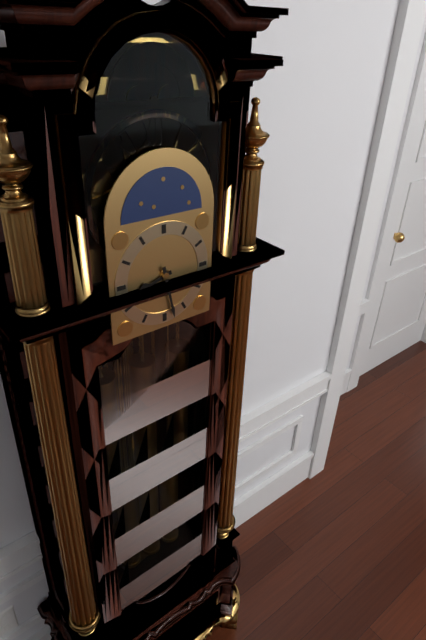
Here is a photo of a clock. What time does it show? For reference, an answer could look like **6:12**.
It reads **8:28**
